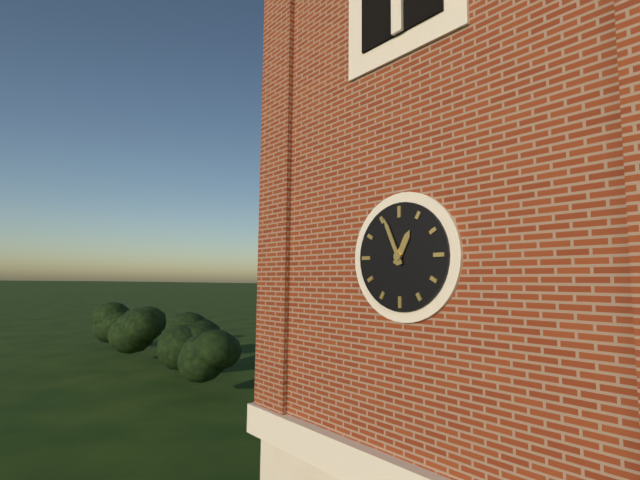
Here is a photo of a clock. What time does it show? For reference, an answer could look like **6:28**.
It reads **12:56**
